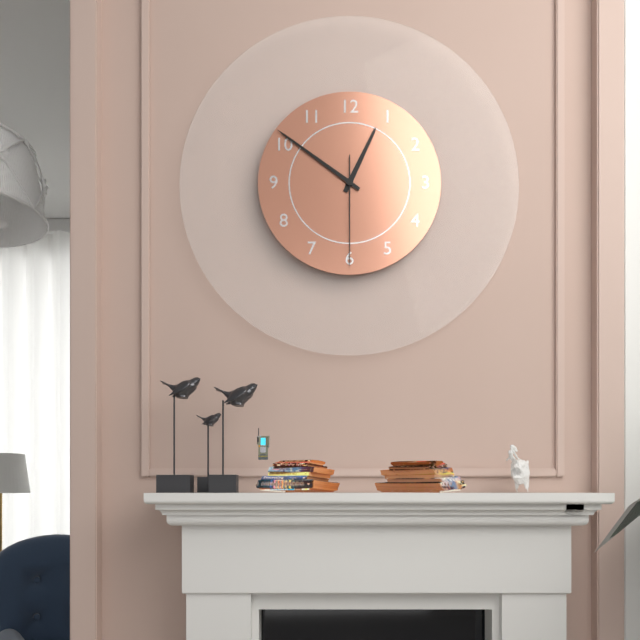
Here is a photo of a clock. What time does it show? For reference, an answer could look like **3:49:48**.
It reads **12:51:30**
